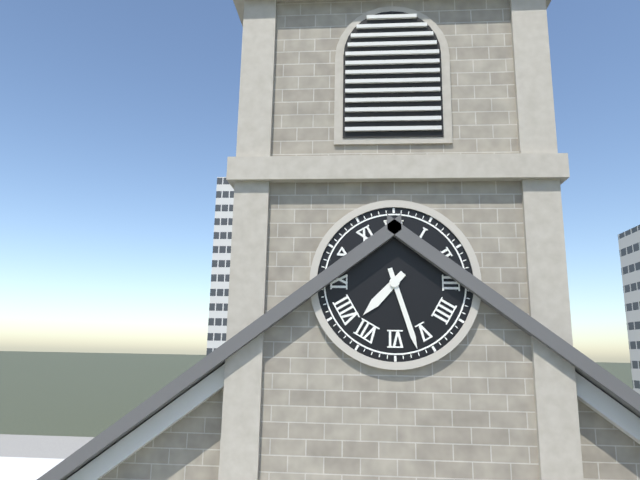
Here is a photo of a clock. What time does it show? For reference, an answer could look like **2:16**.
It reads **7:27**
